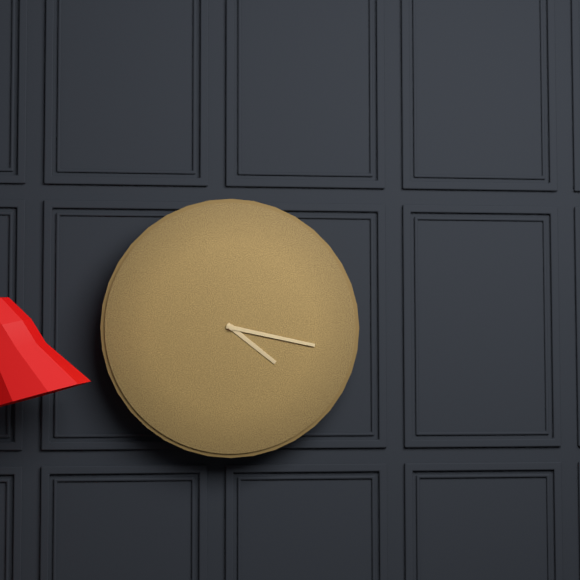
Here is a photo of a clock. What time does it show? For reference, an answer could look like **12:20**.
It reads **4:17**
